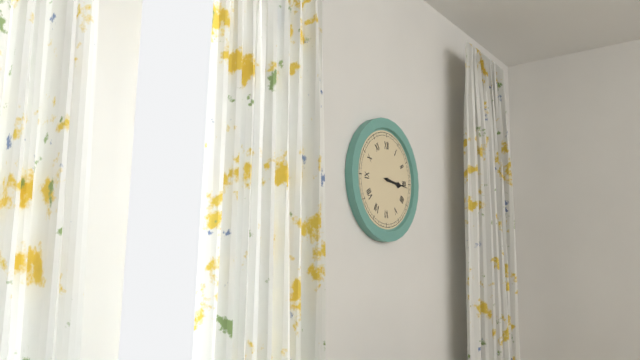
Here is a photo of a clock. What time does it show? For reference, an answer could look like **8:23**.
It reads **3:16**
